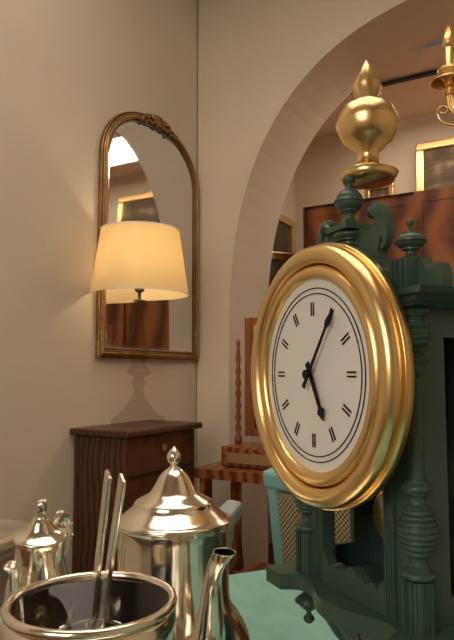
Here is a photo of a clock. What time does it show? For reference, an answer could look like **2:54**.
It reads **5:06**
